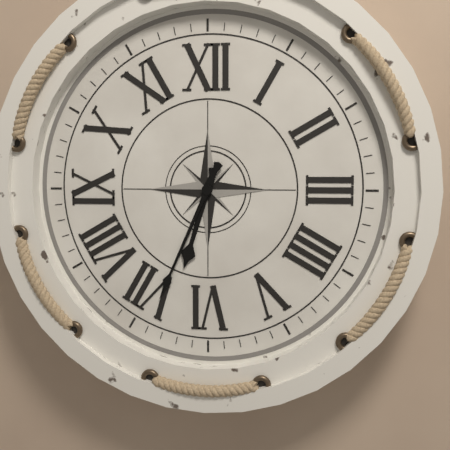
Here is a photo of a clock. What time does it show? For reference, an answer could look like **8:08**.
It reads **6:34**
